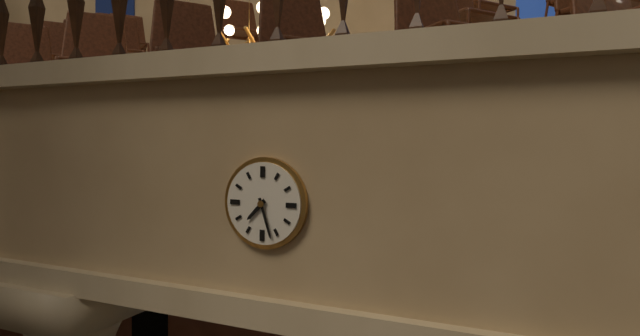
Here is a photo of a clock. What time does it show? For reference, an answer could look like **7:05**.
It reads **7:27**
